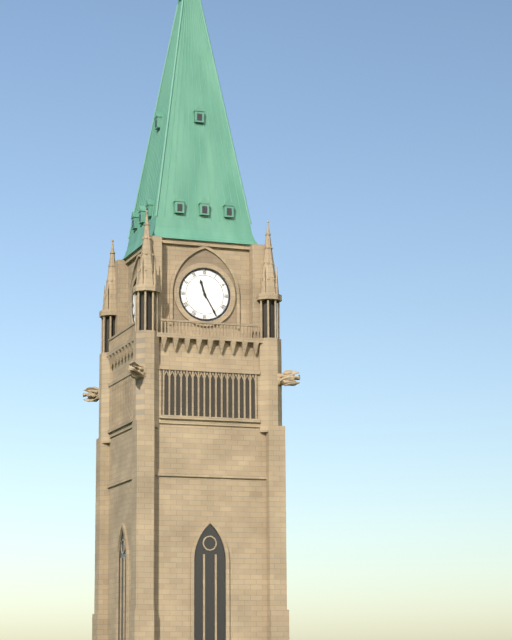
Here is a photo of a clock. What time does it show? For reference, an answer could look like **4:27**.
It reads **11:25**
